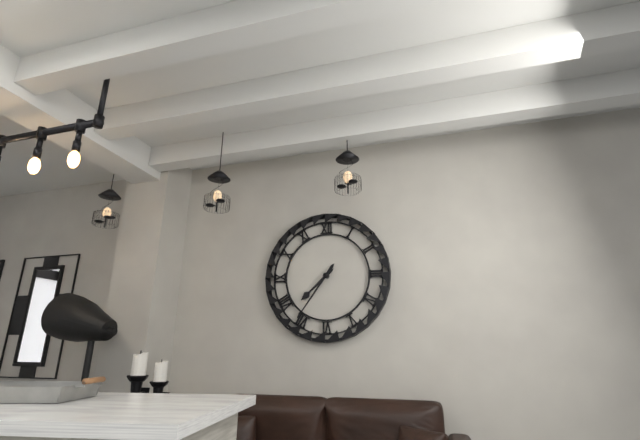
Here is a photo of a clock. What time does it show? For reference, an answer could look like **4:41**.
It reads **7:36**
